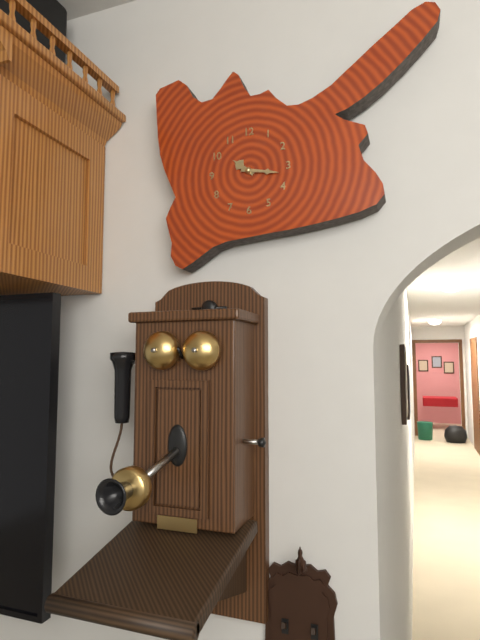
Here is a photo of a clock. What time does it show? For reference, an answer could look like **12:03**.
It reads **10:17**
